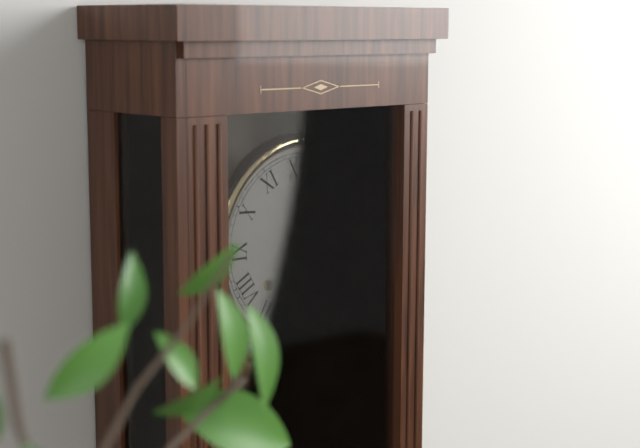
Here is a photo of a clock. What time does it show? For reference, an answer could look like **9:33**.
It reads **4:10**
